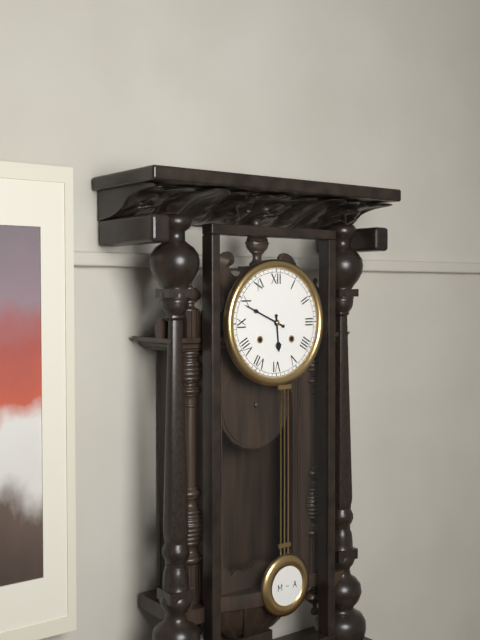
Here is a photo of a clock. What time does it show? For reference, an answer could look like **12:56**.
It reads **5:49**
